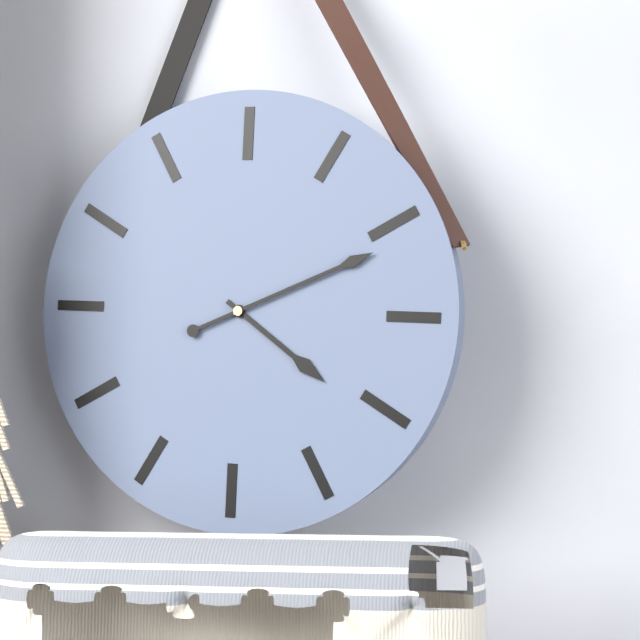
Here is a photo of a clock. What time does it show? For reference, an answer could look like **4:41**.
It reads **4:11**
